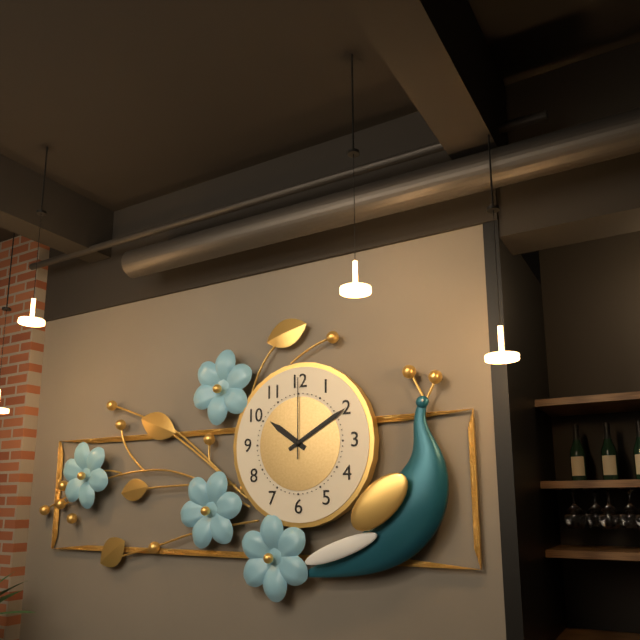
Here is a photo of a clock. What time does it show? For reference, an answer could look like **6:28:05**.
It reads **10:10:00**
